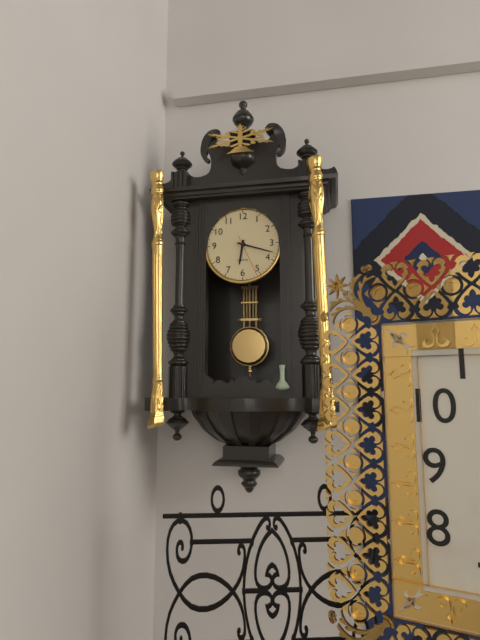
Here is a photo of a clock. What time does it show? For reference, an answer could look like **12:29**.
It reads **6:18**
